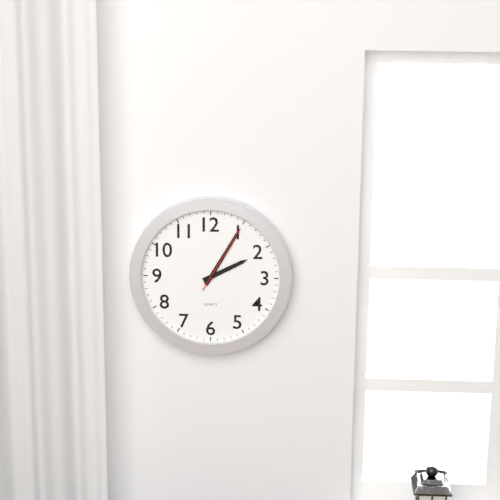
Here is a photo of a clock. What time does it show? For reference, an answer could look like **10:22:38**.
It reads **2:05:05**
